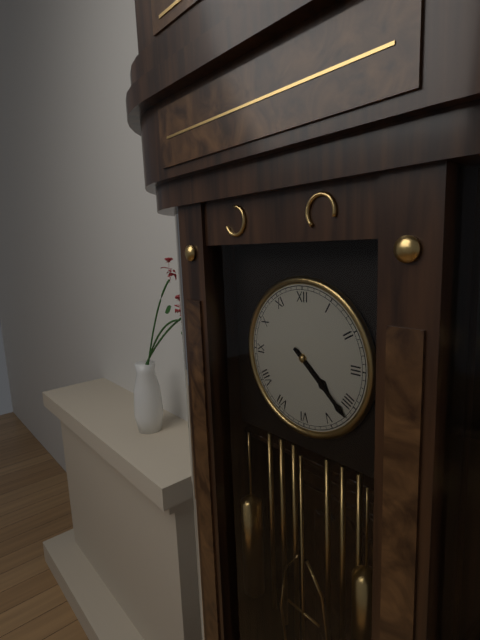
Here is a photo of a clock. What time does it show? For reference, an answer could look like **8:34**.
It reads **4:22**
